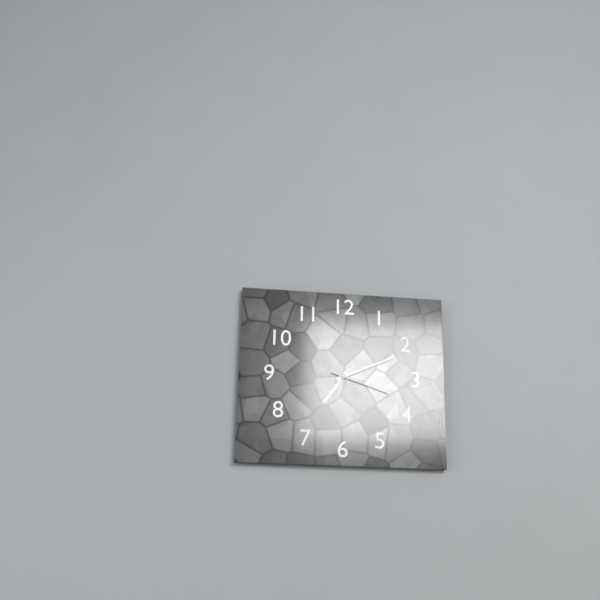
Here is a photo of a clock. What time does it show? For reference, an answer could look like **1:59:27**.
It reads **7:11:18**
